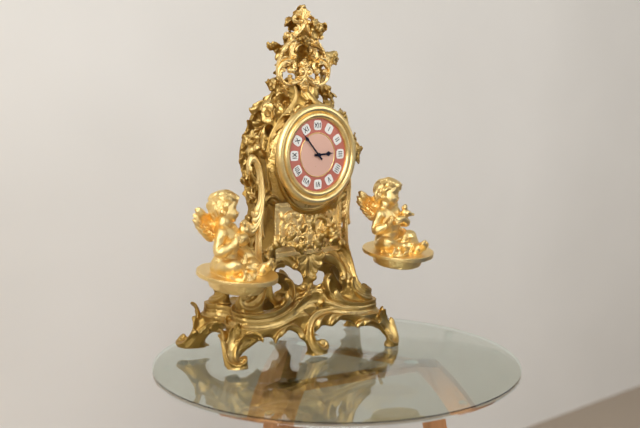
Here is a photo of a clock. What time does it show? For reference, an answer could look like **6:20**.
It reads **2:53**
